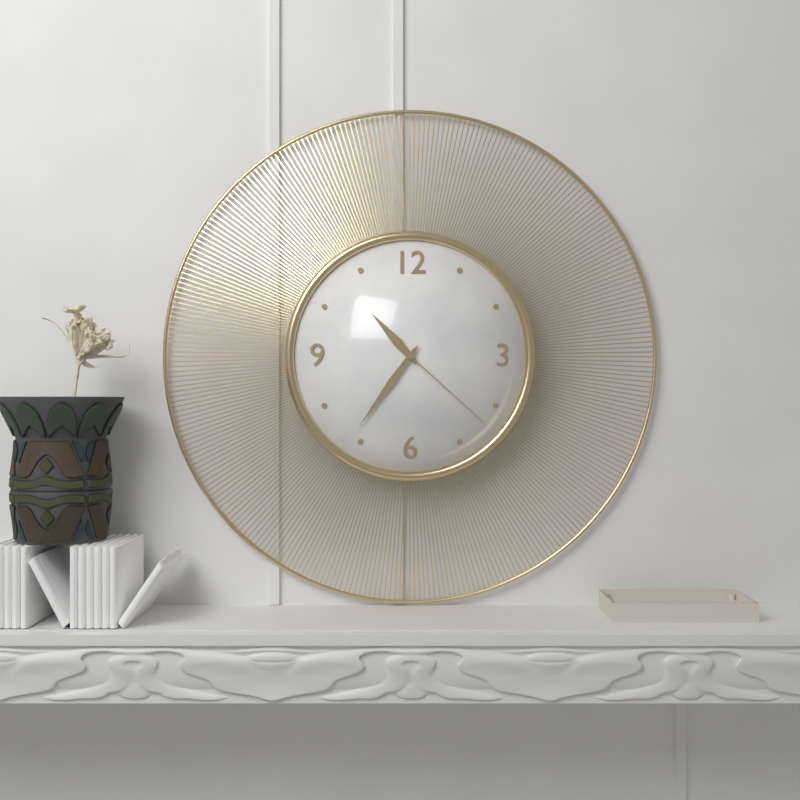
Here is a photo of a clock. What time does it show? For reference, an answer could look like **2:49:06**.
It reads **10:36:22**
